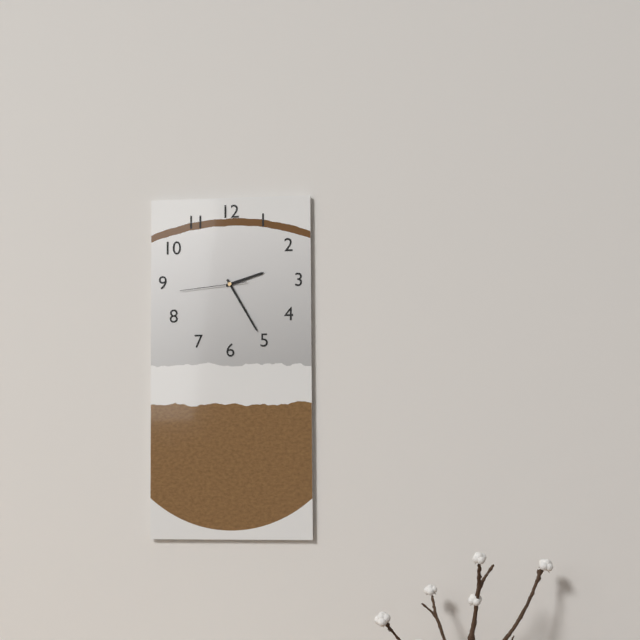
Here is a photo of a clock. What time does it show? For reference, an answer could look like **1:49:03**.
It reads **2:25:44**
